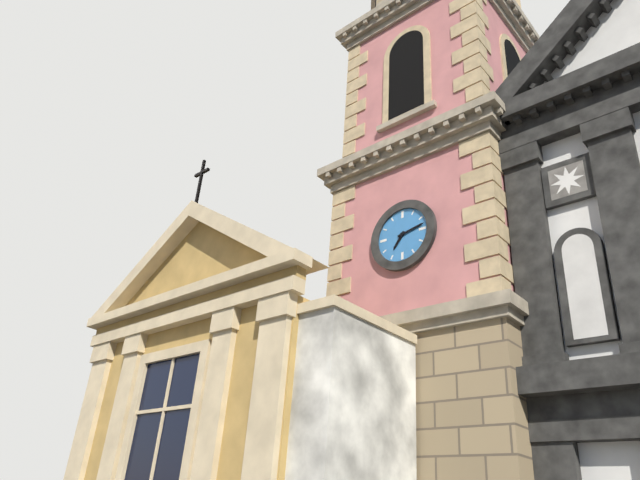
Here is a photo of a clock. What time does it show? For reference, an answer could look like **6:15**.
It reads **7:13**
